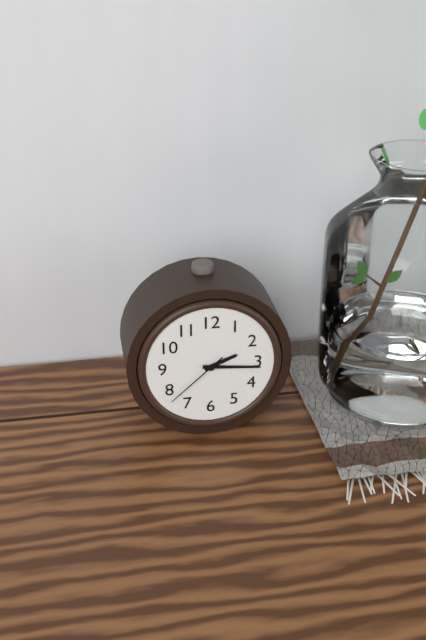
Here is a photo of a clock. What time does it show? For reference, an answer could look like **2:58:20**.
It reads **2:16:38**
